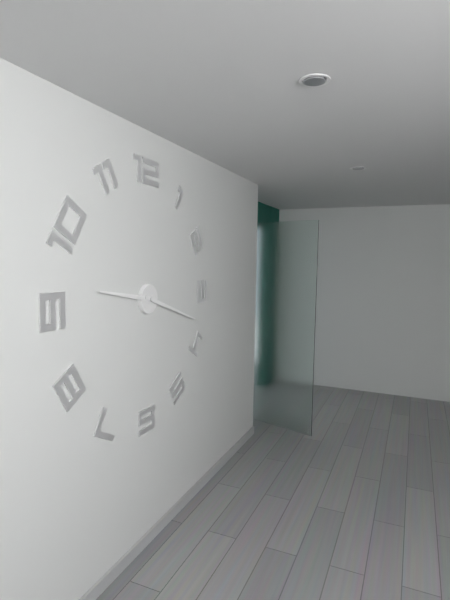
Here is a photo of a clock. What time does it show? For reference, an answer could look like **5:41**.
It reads **9:18**
